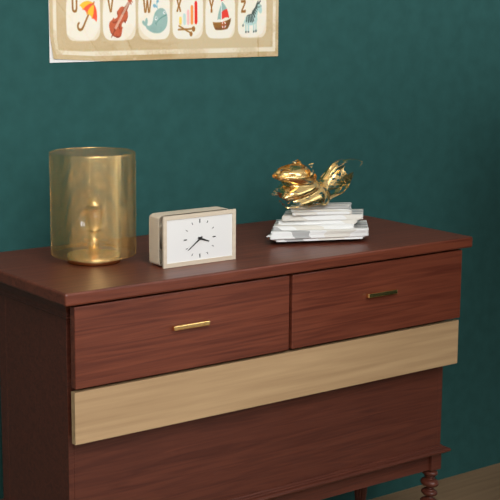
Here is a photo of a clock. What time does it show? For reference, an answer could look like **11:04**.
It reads **3:39**
